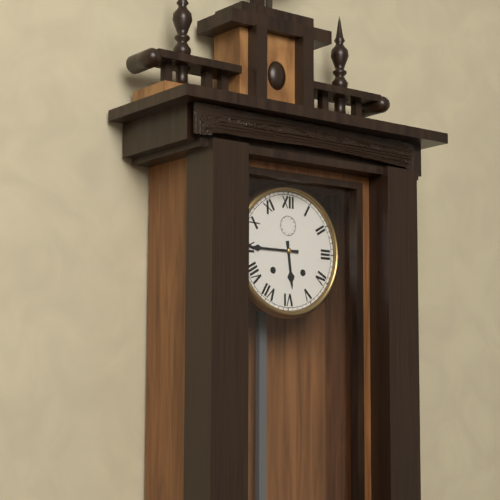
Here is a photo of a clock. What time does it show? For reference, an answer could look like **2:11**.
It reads **5:45**
